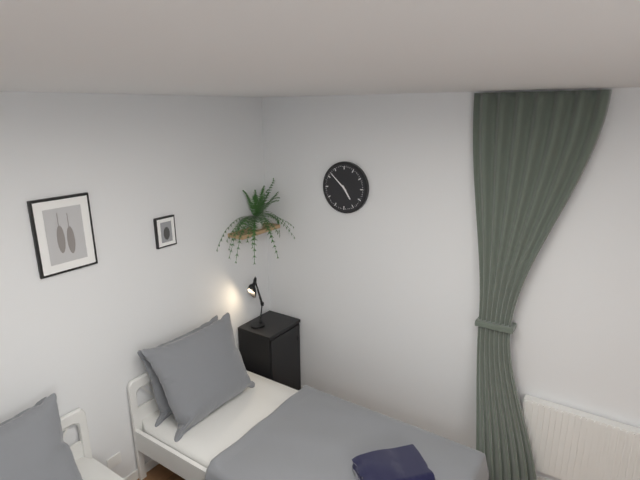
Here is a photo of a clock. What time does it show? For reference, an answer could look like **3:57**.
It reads **4:52**
